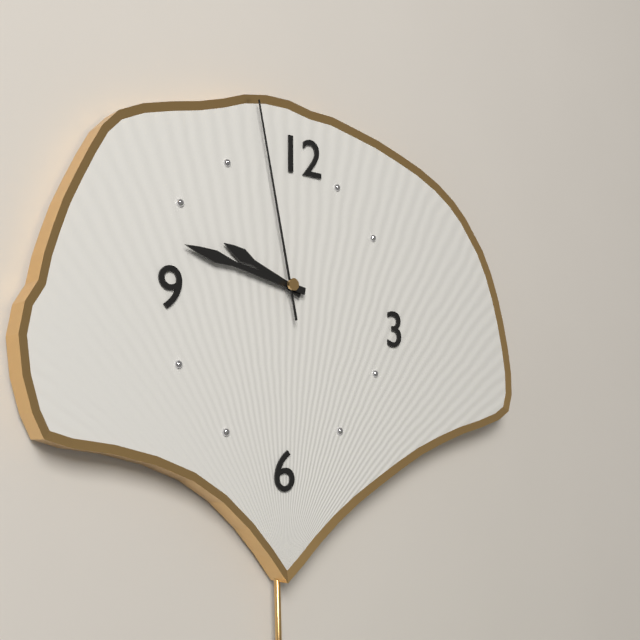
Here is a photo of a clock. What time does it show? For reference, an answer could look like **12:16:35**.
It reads **9:47:58**
